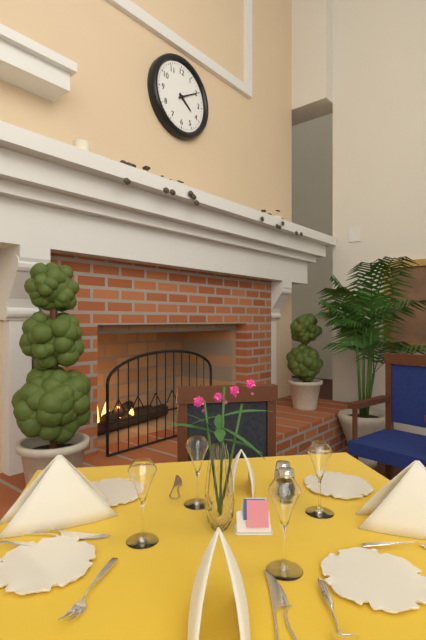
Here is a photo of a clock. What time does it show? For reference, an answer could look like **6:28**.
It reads **4:10**
